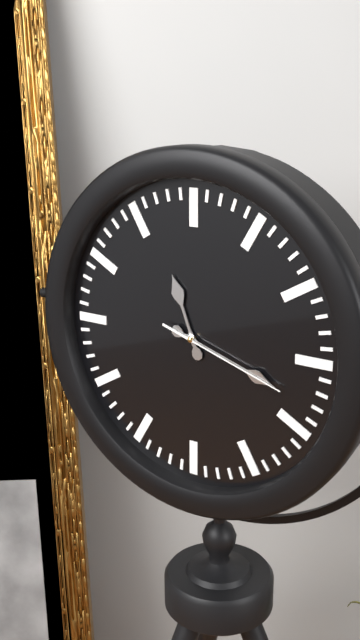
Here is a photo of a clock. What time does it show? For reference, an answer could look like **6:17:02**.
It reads **11:18:18**
